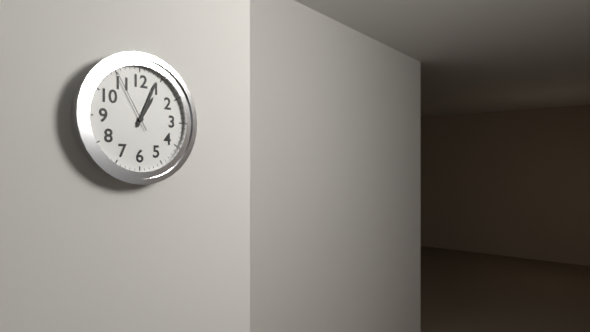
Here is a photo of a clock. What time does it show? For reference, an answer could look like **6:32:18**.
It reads **1:04:55**
